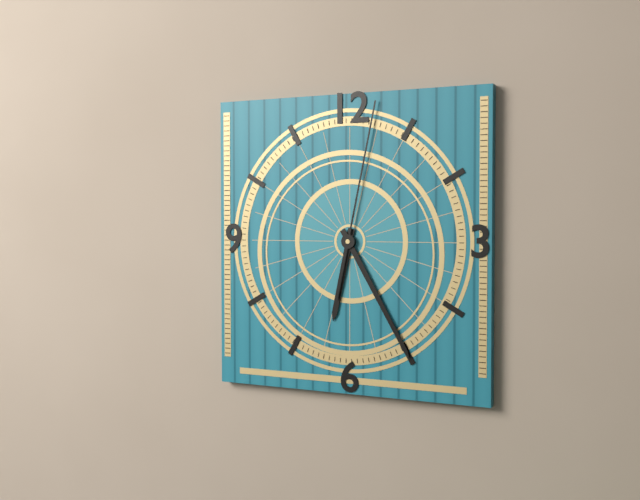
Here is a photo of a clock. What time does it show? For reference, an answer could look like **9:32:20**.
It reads **6:25:02**
